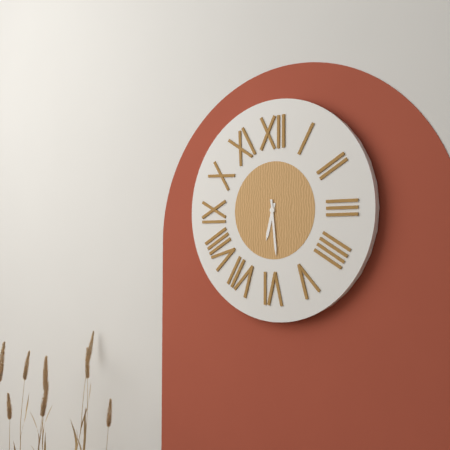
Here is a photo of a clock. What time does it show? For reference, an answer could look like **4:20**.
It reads **6:29**
